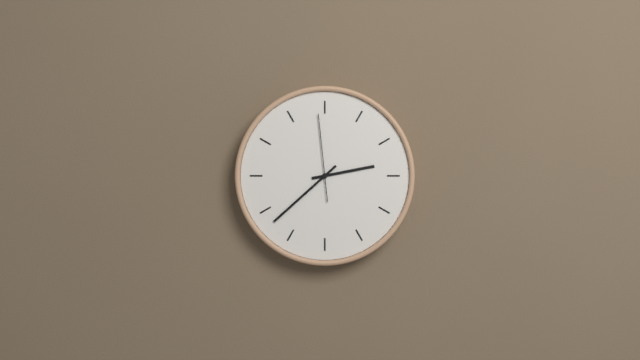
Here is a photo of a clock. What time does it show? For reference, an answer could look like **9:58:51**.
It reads **2:38:59**
